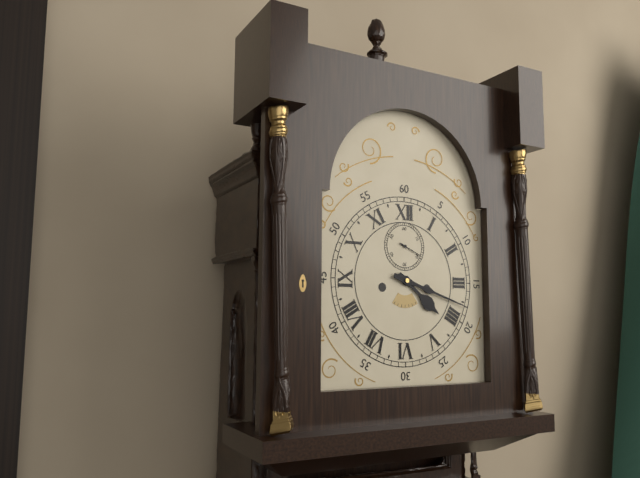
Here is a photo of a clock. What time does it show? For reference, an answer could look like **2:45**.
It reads **4:18**
